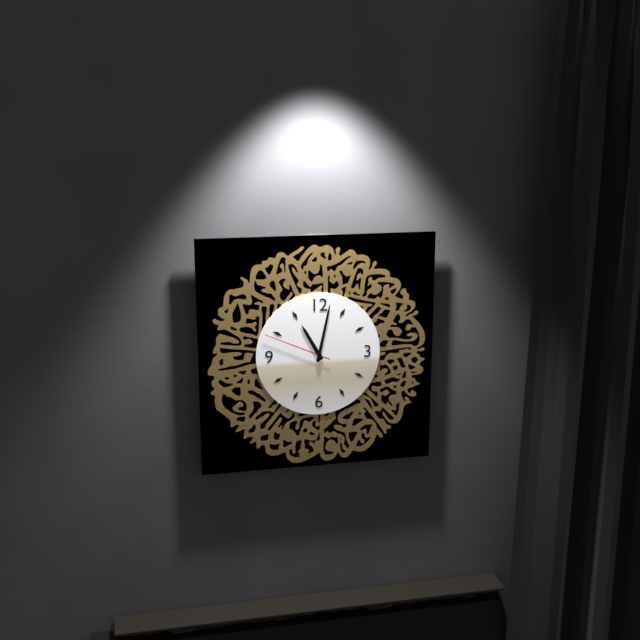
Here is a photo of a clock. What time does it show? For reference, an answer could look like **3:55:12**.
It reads **11:02:49**
